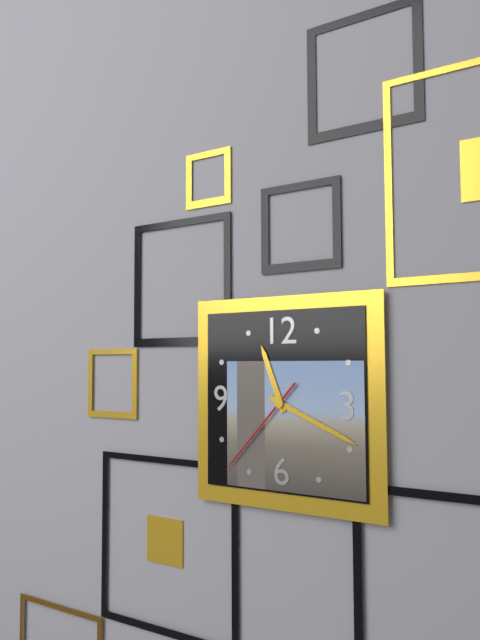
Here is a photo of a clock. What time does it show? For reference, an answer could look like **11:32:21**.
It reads **11:19:37**
